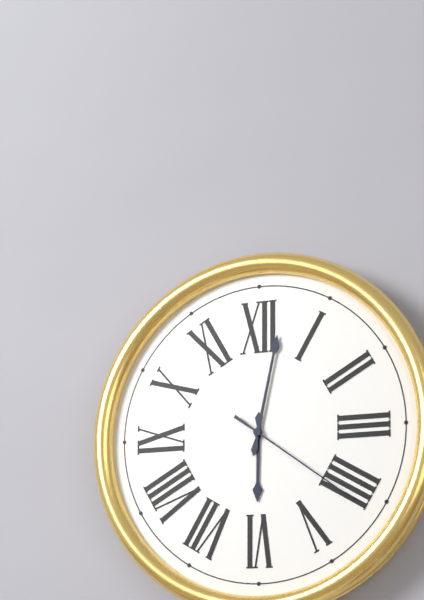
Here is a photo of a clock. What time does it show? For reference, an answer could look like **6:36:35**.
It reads **6:02:21**
